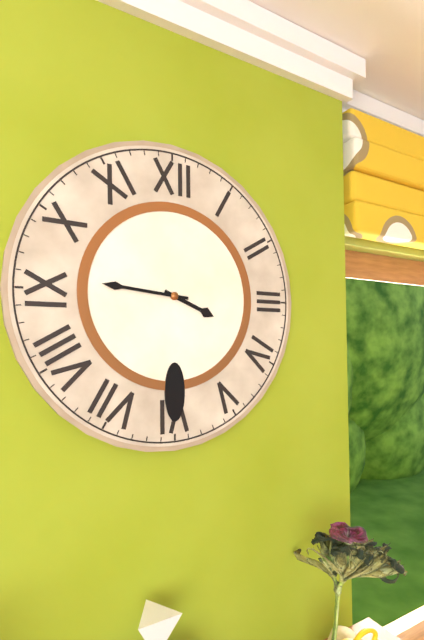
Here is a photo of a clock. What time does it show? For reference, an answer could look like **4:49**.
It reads **3:46**
